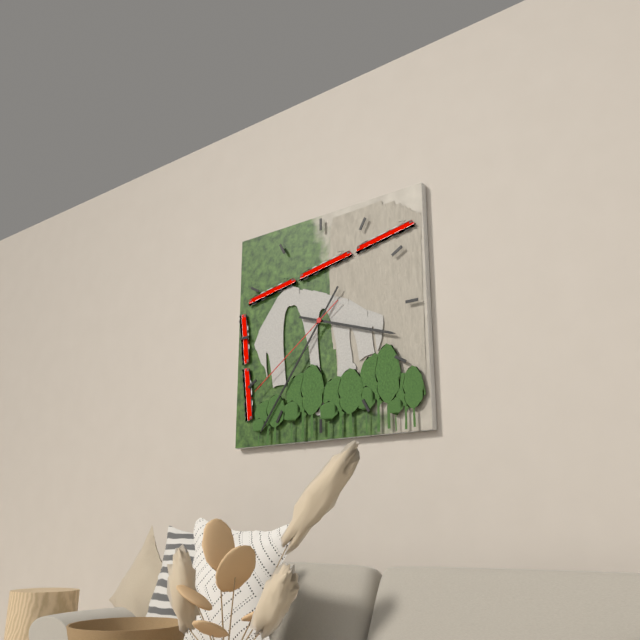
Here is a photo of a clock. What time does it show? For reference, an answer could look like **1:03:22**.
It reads **3:36:39**
